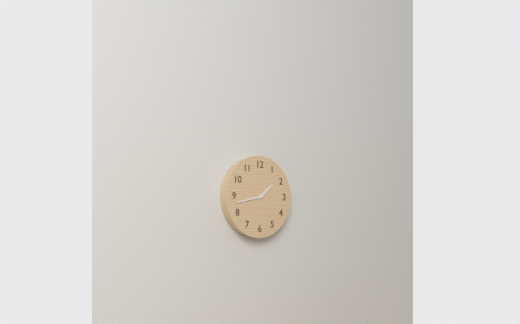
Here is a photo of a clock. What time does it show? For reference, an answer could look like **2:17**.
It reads **1:43**
